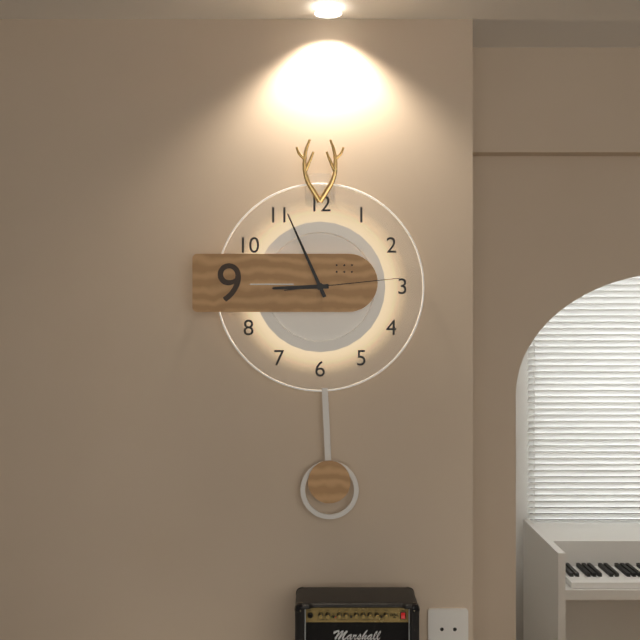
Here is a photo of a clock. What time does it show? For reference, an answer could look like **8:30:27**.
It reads **8:56:14**
